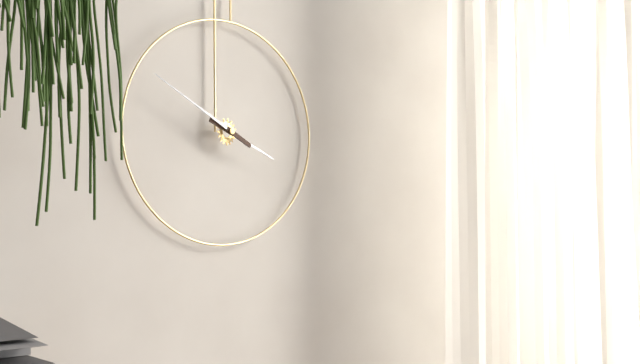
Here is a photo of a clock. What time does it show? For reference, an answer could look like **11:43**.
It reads **3:50**
